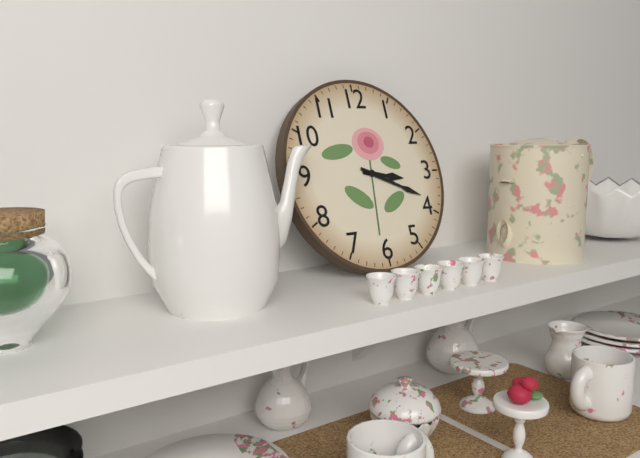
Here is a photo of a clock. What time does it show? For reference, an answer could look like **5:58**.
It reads **3:19**
